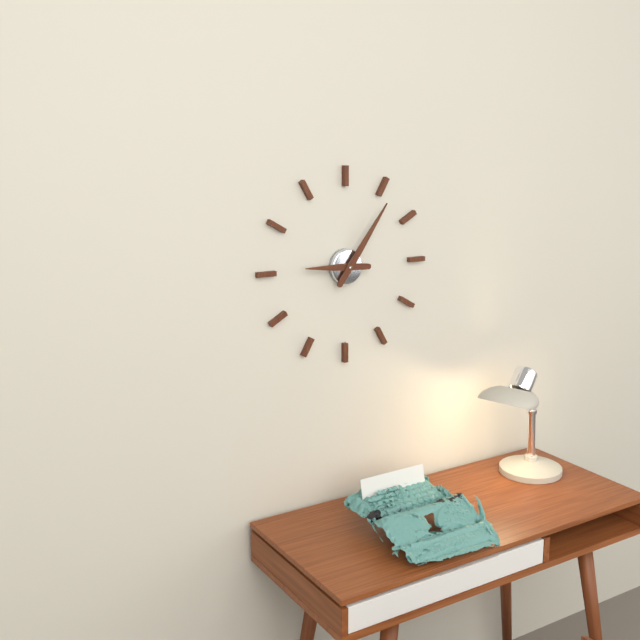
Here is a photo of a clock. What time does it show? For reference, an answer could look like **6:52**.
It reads **9:06**
